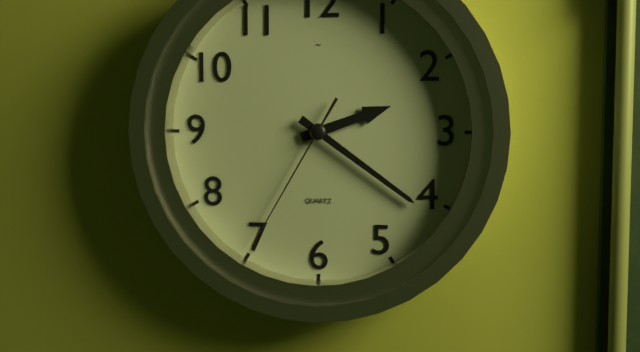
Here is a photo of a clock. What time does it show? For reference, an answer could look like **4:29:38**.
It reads **2:21:35**
